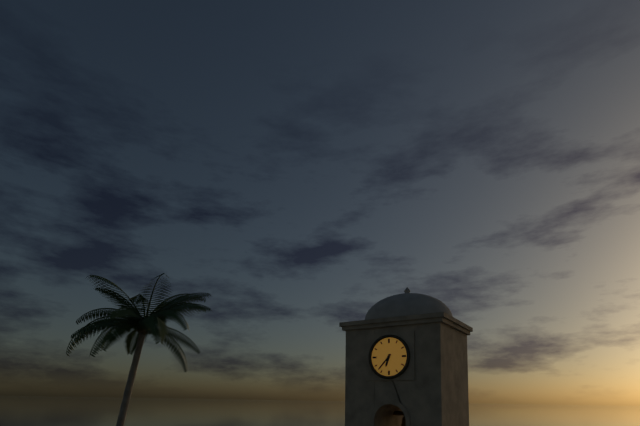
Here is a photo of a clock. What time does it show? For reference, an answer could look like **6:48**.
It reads **6:37**
